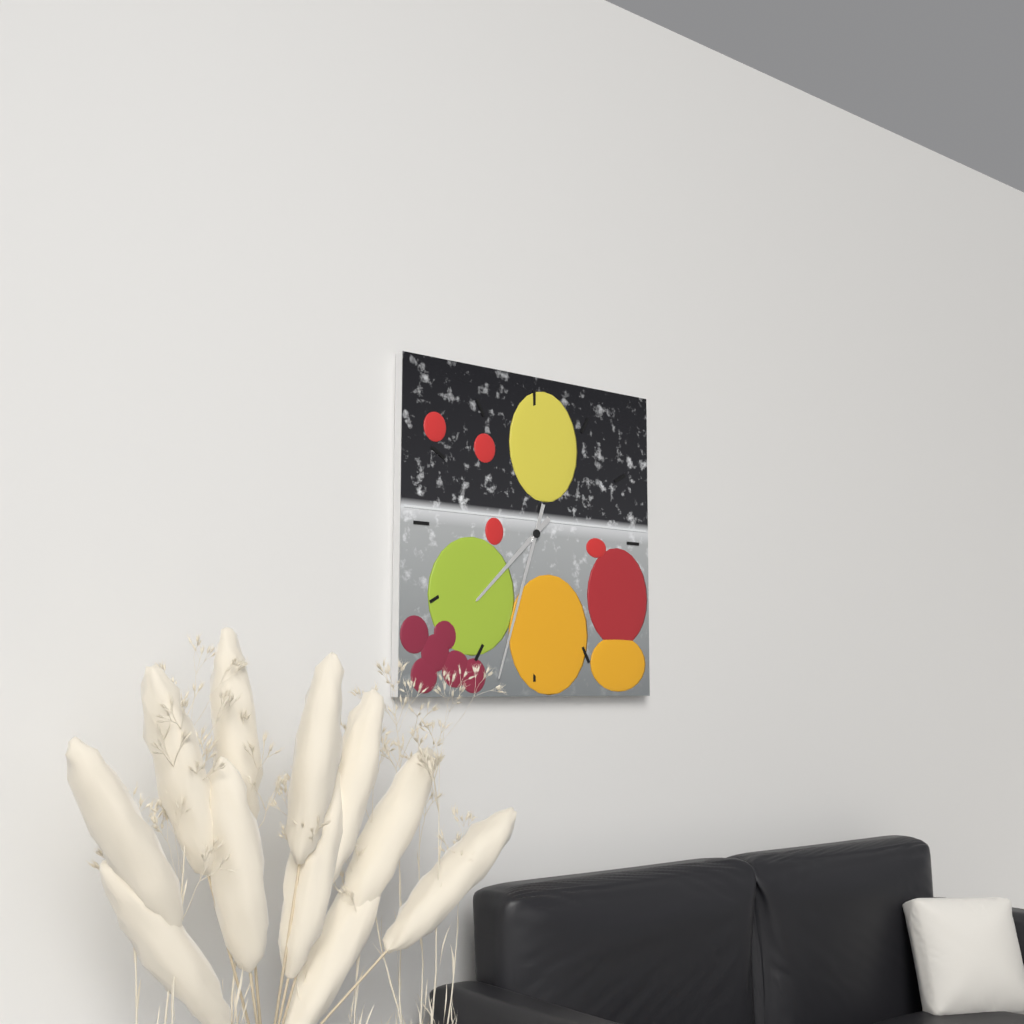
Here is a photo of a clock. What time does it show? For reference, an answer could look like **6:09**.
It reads **7:33**
